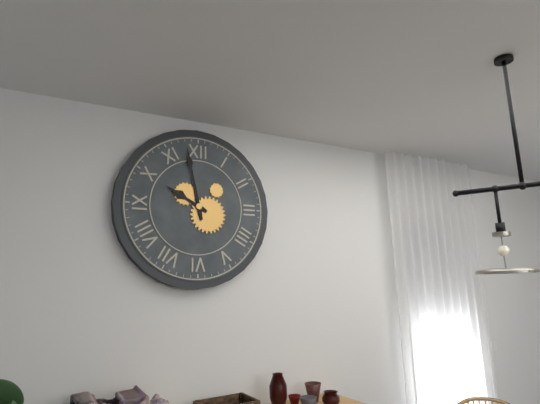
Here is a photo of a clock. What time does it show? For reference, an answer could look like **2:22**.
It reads **9:58**
